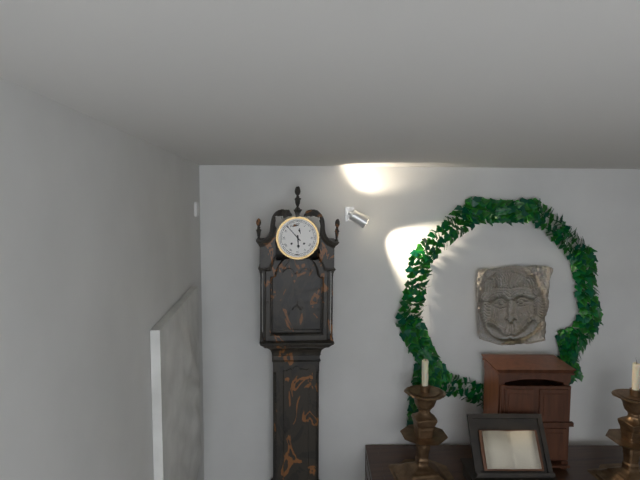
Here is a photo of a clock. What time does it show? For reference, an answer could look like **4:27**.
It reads **5:53**
